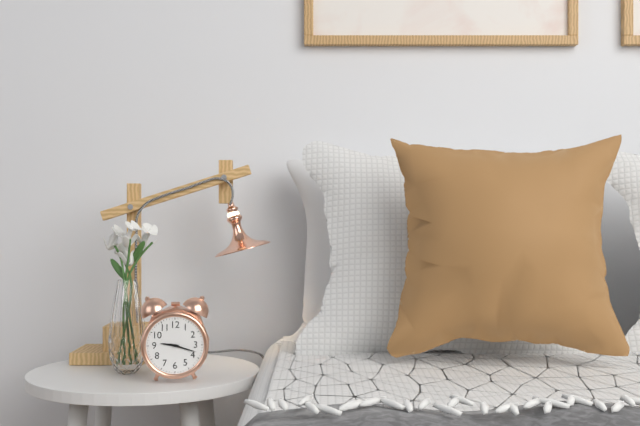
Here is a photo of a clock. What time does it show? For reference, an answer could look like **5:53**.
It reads **9:18**
